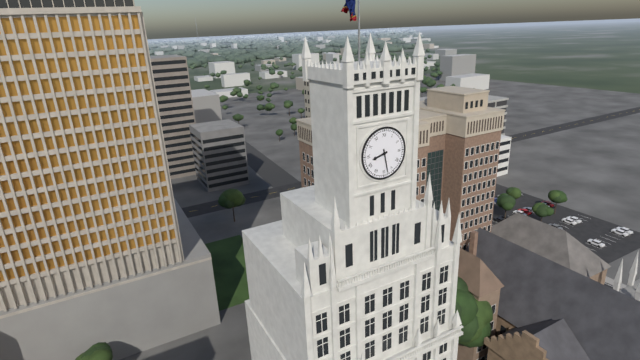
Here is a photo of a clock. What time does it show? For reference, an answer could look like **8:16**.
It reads **8:28**
